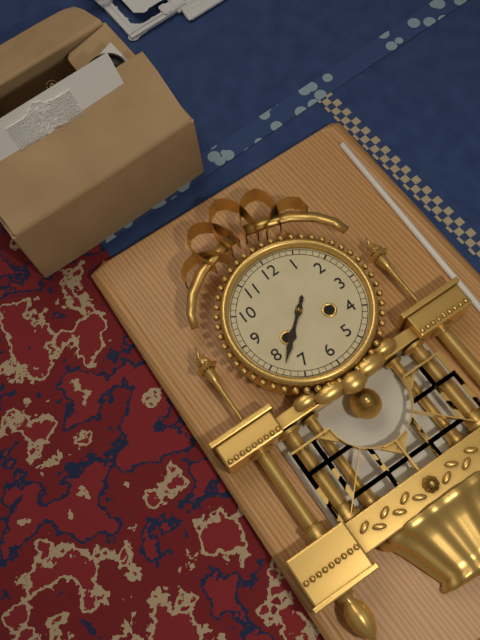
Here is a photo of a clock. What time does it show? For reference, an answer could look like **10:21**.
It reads **7:38**
